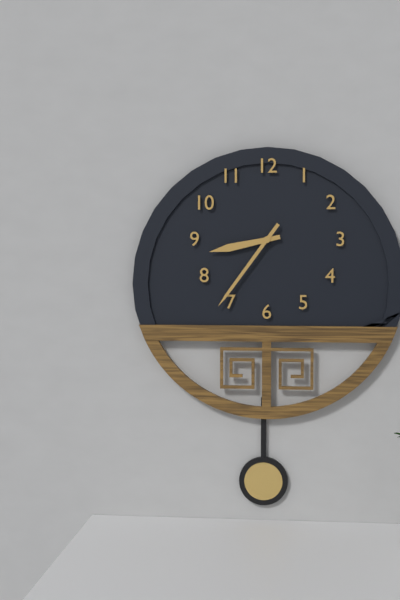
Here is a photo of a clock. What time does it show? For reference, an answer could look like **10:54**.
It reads **8:36**
